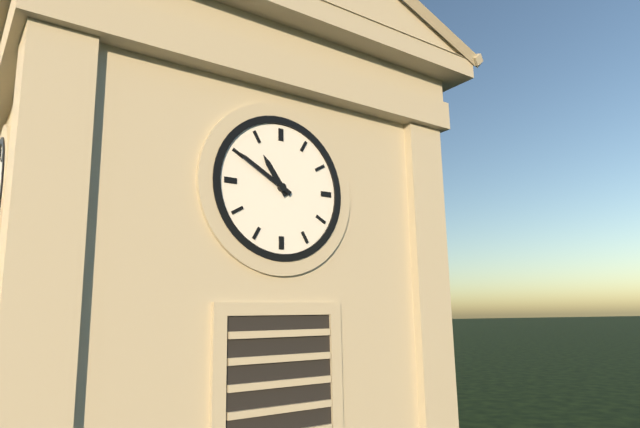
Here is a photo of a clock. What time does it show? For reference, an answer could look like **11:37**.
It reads **10:50**
